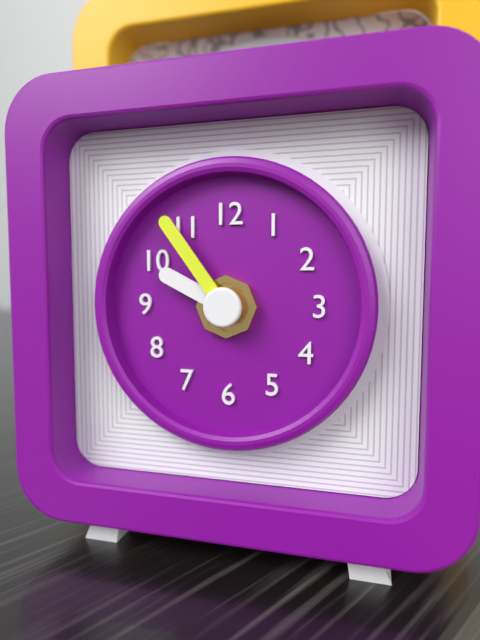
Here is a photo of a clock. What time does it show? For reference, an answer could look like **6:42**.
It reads **9:54**
